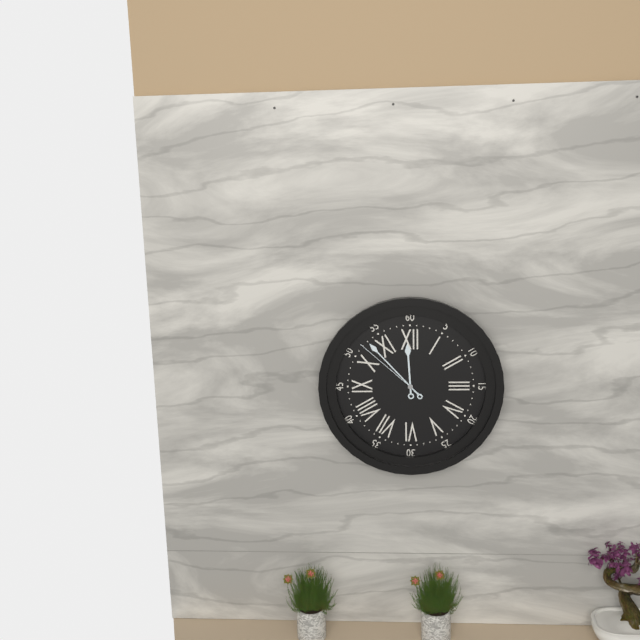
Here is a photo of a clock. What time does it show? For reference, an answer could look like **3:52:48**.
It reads **11:53:52**
